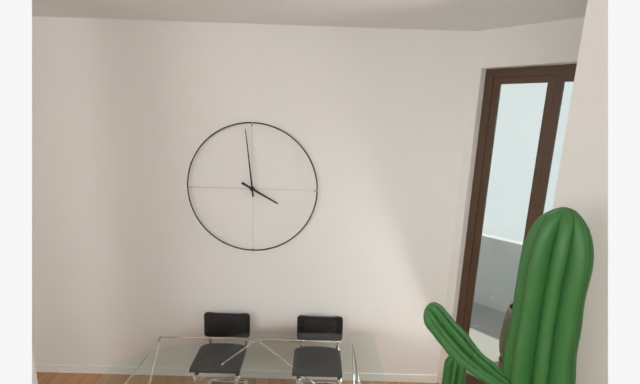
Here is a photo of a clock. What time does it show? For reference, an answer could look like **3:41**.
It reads **3:59**
